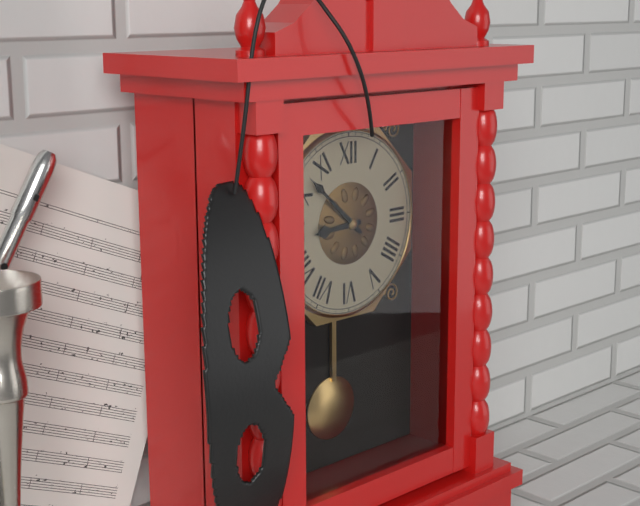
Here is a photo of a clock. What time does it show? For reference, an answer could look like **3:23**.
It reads **8:52**
